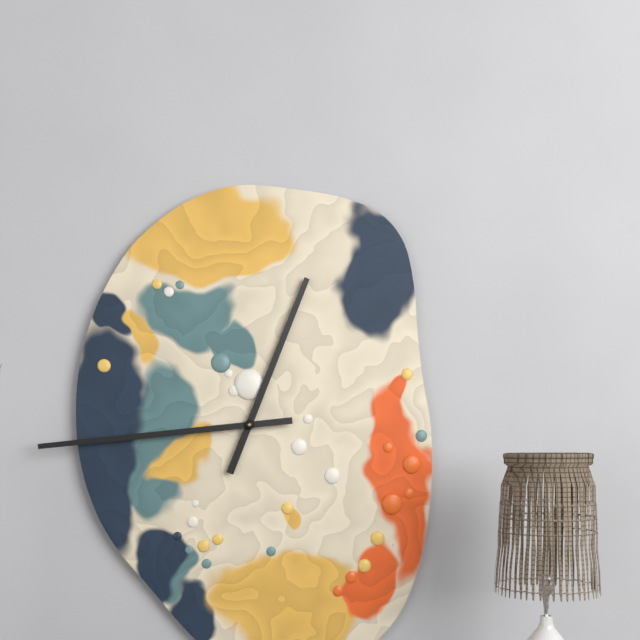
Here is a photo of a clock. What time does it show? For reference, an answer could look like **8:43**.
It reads **12:44**
